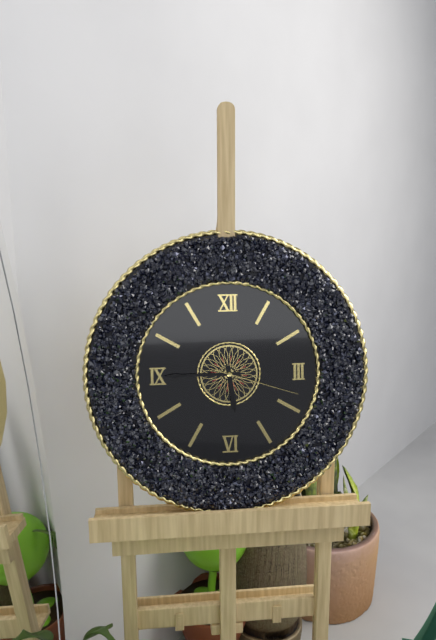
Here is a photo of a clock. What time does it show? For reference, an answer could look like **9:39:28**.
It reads **5:45:18**
